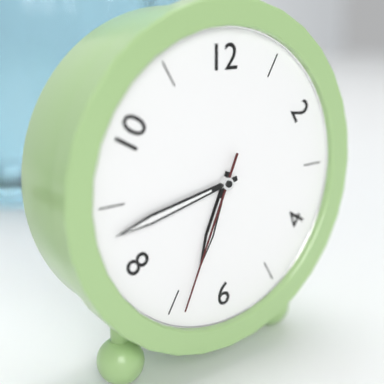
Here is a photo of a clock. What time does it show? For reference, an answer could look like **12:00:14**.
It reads **6:43:34**
